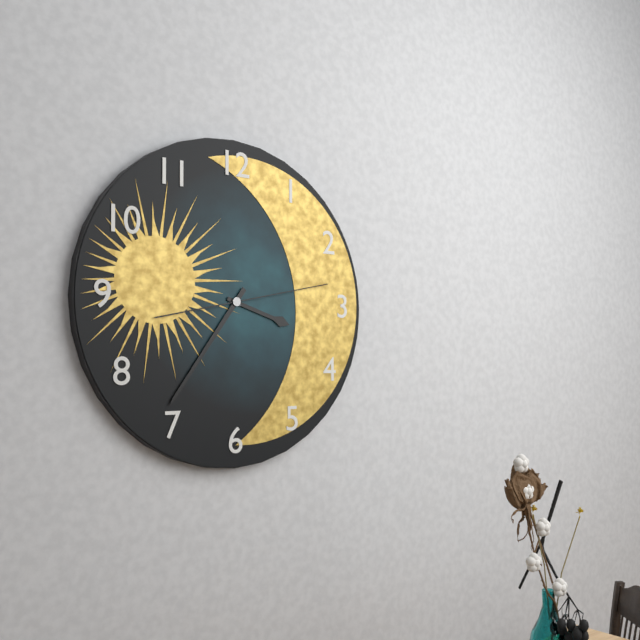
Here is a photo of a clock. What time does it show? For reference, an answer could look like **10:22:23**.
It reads **3:36:13**
